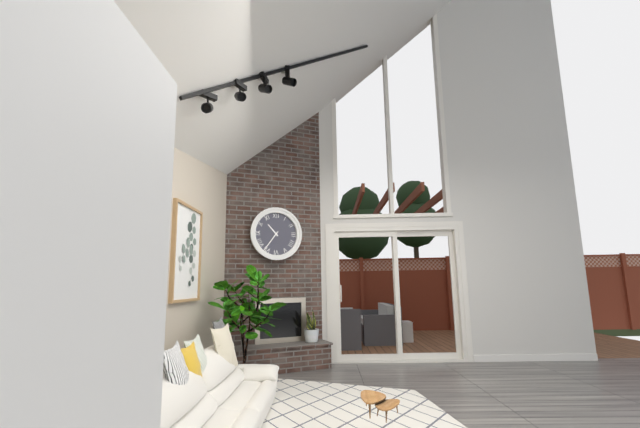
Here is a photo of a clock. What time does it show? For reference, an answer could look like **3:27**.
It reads **10:36**
